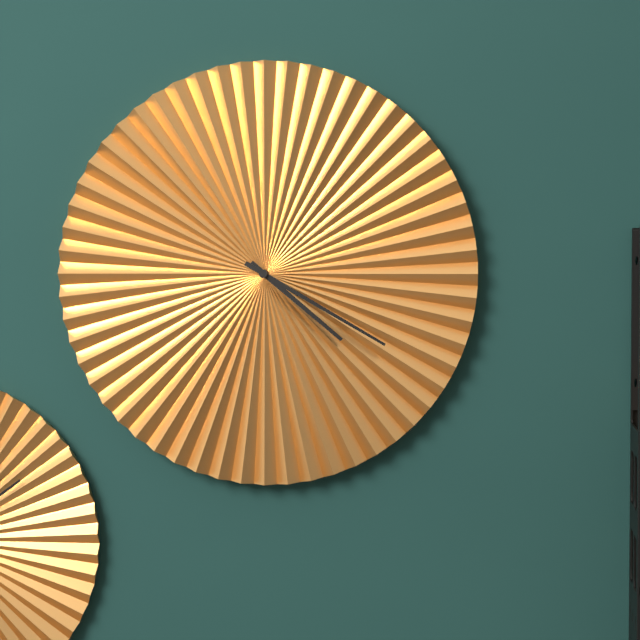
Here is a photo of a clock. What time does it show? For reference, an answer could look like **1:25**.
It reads **4:20**
